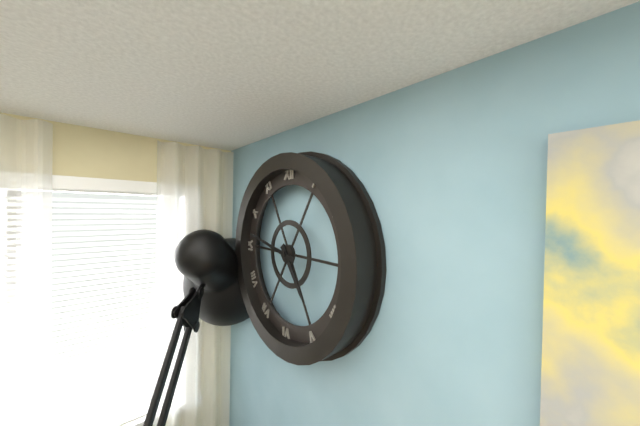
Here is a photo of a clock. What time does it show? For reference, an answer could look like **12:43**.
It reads **4:47**
